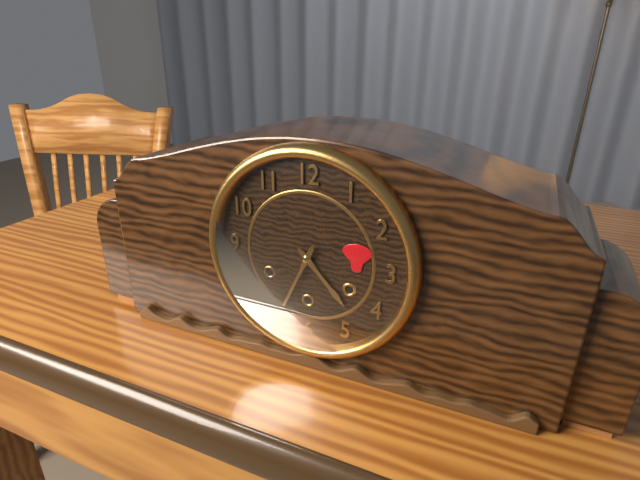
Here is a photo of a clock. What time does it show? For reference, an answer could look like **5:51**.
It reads **4:34**
